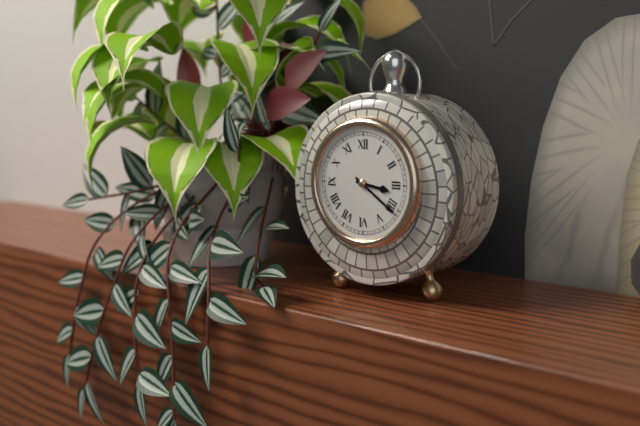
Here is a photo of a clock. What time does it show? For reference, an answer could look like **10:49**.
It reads **3:21**
